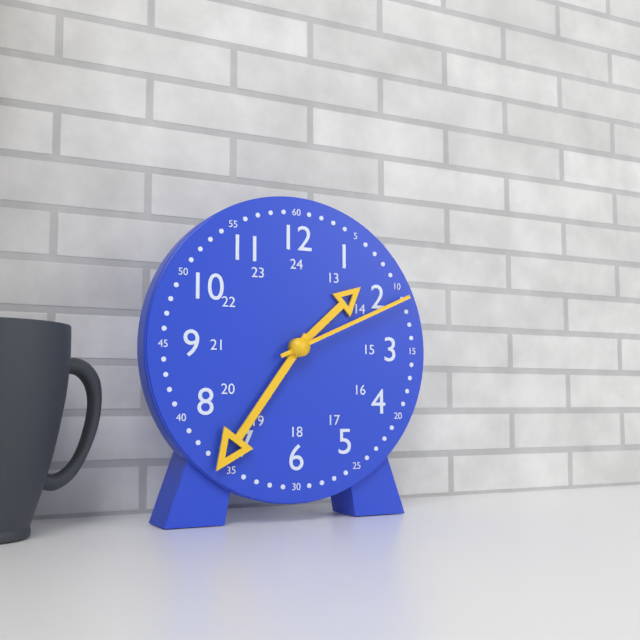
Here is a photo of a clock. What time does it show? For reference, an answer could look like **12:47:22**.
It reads **1:36:11**
